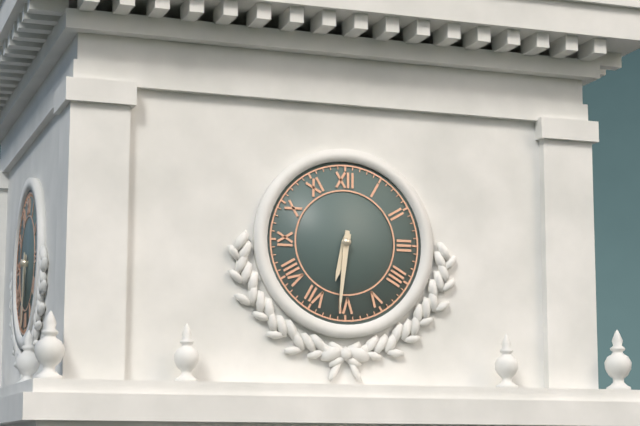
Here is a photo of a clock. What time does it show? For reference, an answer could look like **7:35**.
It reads **6:31**
